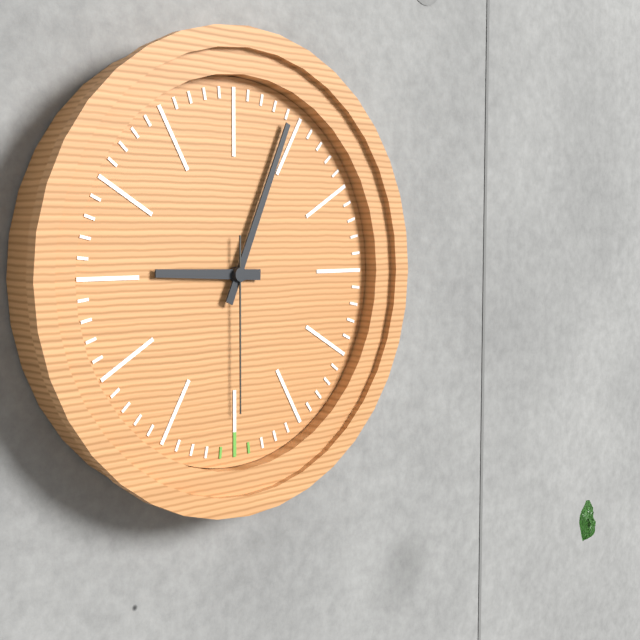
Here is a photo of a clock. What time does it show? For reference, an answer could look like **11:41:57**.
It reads **9:04:30**
